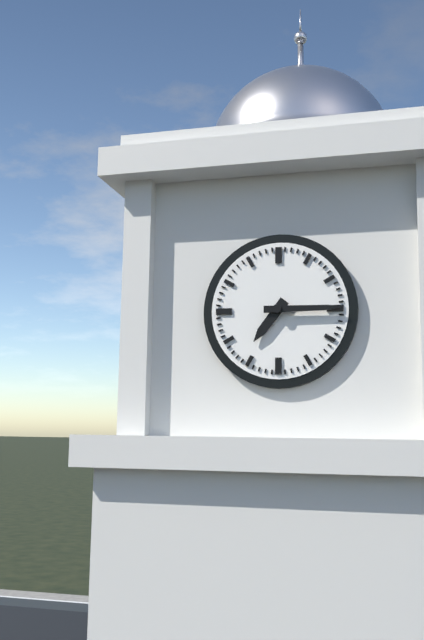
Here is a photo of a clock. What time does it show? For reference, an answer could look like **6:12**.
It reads **7:15**
